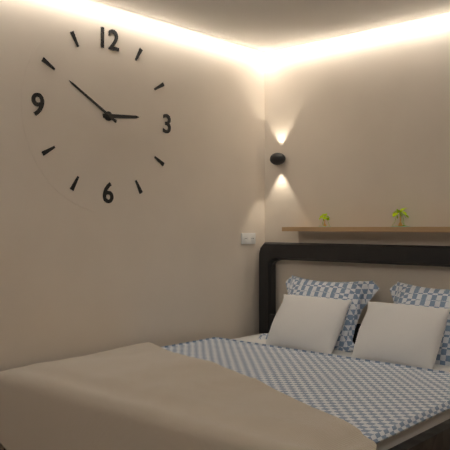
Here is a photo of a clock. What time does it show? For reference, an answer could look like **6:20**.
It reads **2:50**
